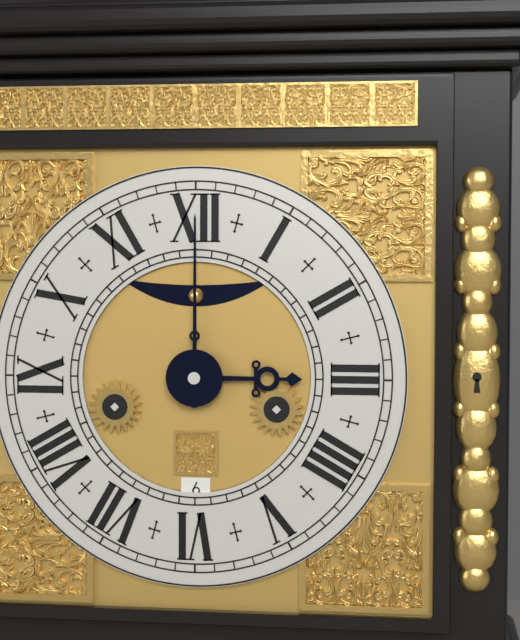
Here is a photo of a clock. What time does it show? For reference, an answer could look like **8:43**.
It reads **3:00**
